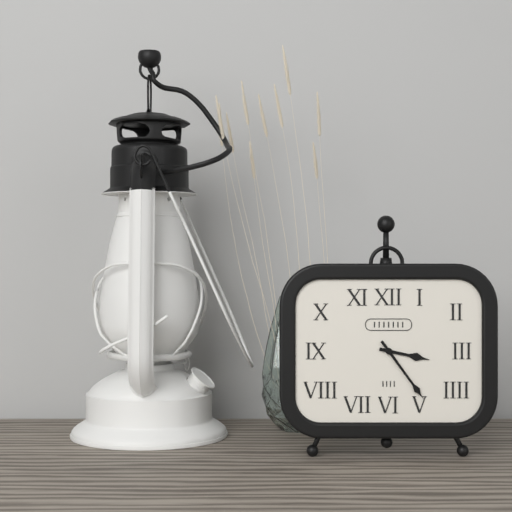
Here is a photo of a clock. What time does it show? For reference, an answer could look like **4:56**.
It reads **3:24**
